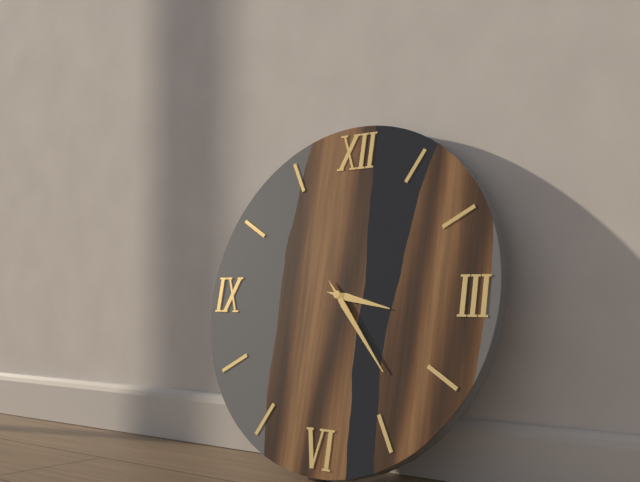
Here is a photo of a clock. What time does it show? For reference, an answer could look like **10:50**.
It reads **3:23**
